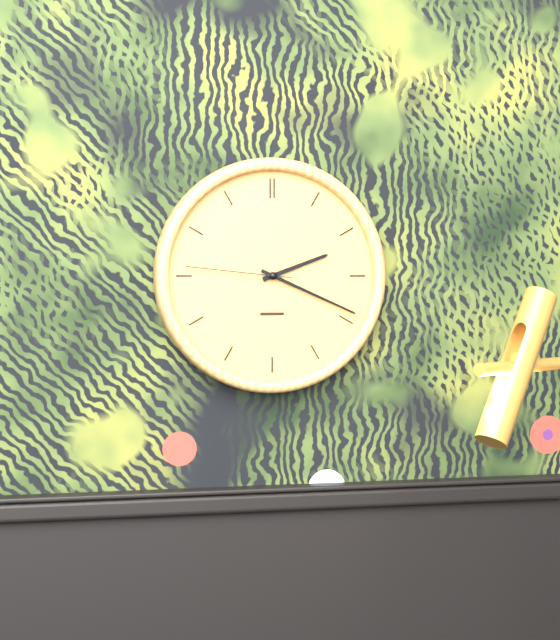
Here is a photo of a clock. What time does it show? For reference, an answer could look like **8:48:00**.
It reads **2:19:46**
